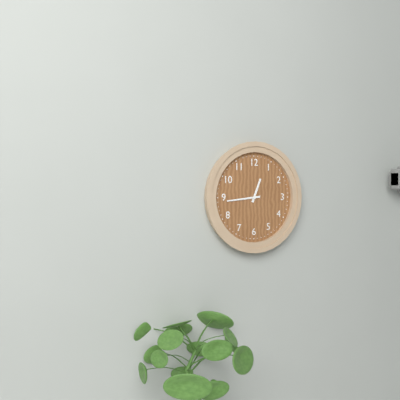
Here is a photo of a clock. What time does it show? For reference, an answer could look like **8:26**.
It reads **12:44**
